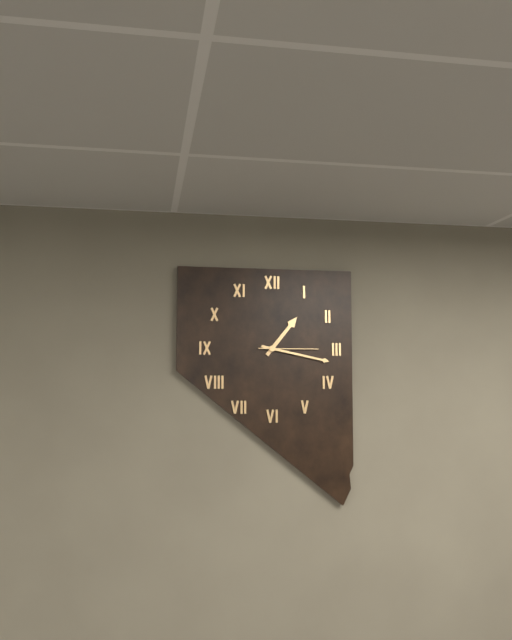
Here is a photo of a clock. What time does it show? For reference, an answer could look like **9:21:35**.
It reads **1:17:15**
